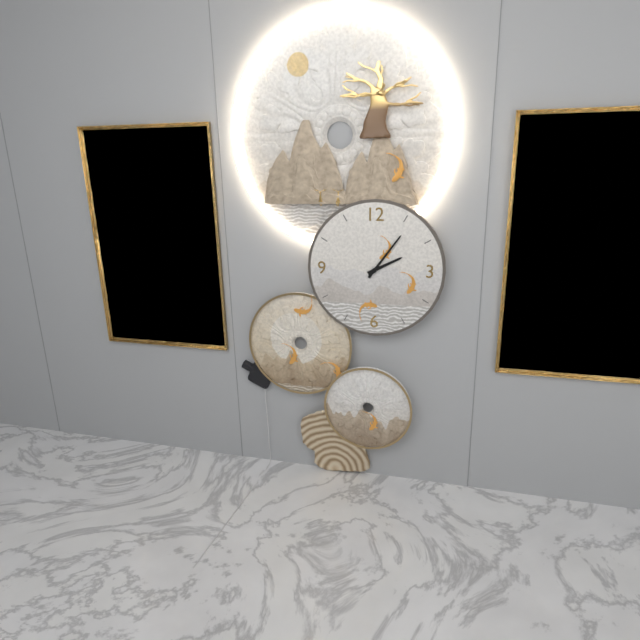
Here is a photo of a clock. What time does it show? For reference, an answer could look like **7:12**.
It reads **2:06**
